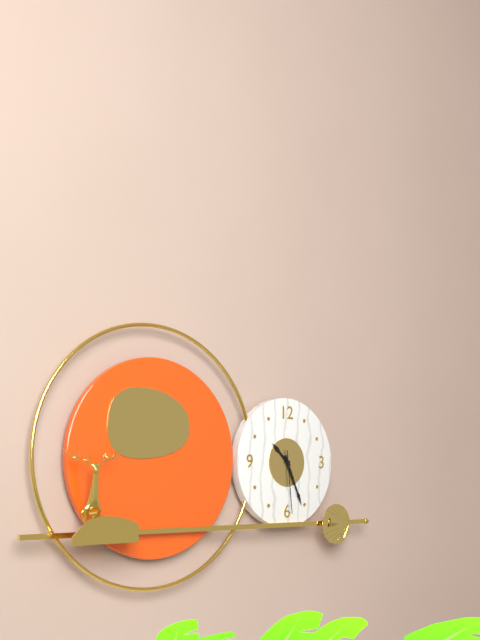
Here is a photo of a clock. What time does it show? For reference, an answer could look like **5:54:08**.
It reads **10:26:29**
